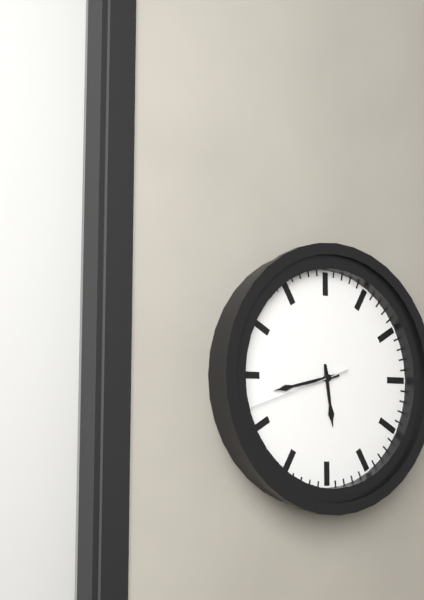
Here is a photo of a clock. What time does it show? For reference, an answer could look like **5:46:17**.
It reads **5:43:42**
